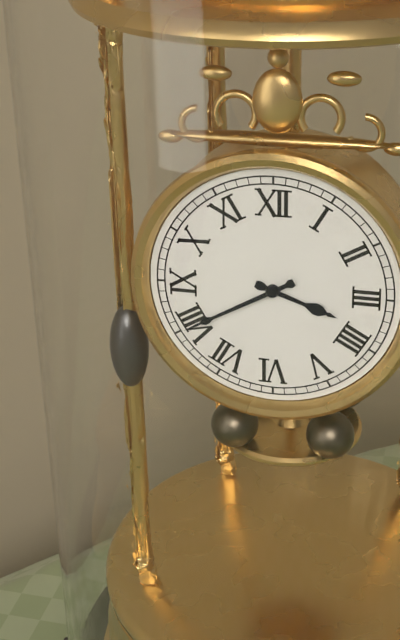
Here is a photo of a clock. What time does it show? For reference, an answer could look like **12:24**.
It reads **3:40**
